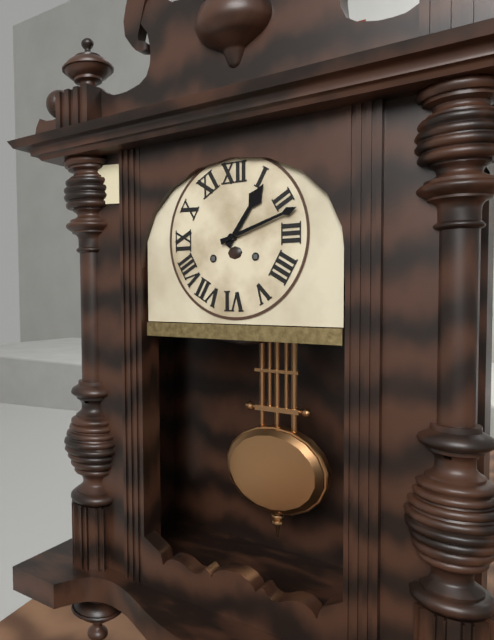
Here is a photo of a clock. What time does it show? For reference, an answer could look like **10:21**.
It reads **1:12**
